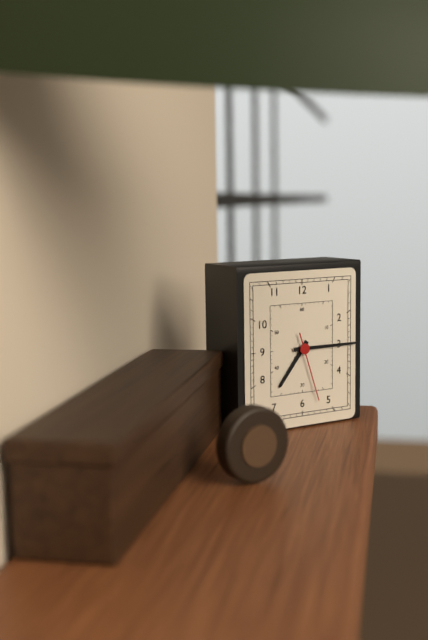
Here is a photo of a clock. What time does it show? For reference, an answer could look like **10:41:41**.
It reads **7:15:27**
